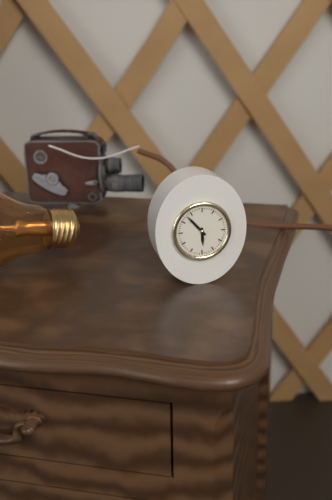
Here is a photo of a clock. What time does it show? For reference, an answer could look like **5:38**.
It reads **5:53**
